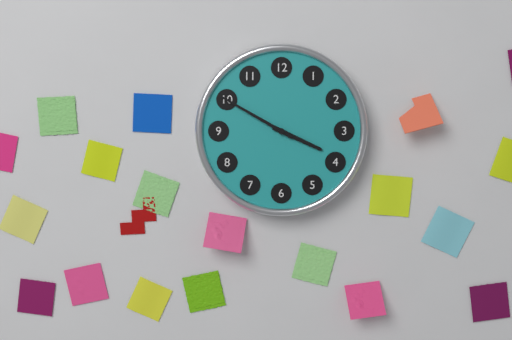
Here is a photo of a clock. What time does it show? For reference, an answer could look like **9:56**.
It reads **3:50**
